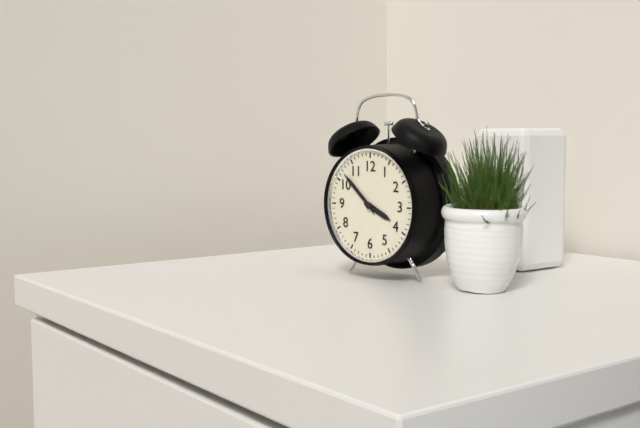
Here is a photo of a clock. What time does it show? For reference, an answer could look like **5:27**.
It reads **3:52**
